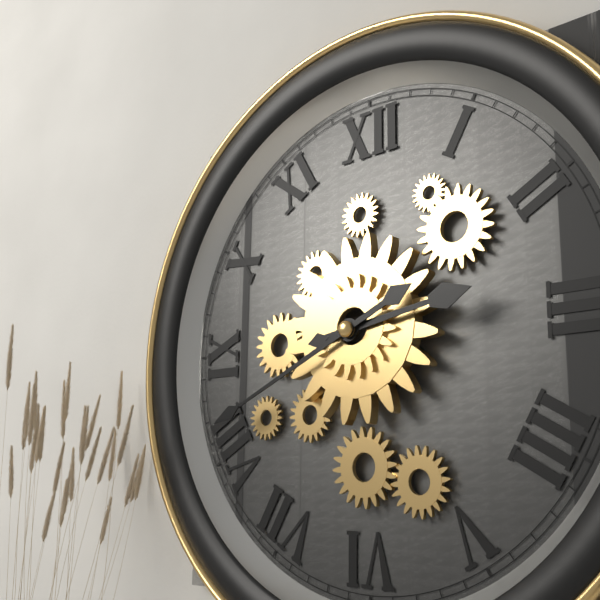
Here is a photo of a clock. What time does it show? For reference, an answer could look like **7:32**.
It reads **2:41**
